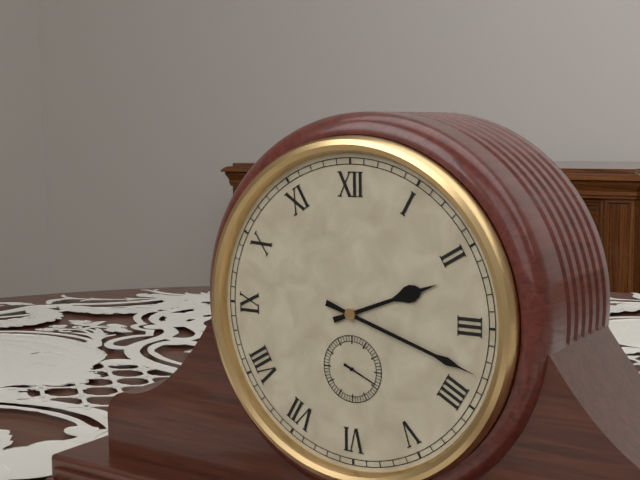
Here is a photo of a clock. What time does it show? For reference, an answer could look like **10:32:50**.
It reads **2:18:19**
